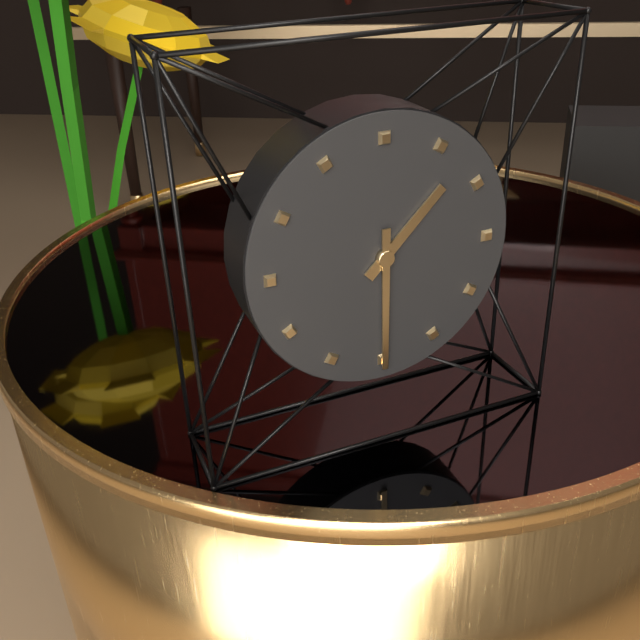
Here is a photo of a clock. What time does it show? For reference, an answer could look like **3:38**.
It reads **1:30**
